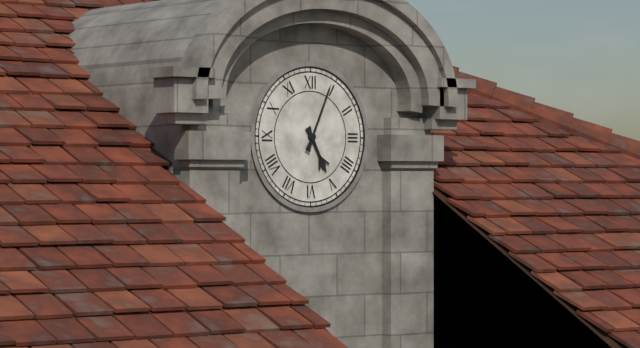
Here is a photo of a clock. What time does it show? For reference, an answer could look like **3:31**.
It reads **5:04**
